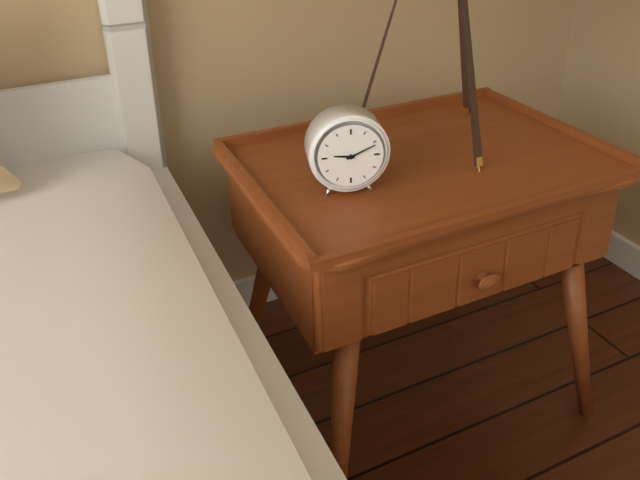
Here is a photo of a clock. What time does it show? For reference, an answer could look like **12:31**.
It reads **9:11**
